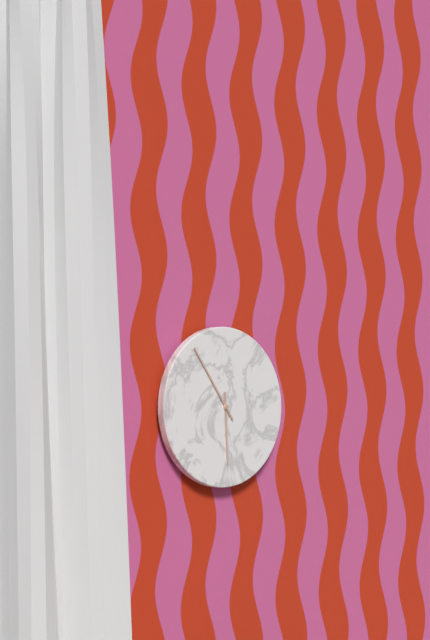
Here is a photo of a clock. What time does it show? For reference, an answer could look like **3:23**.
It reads **5:54**
